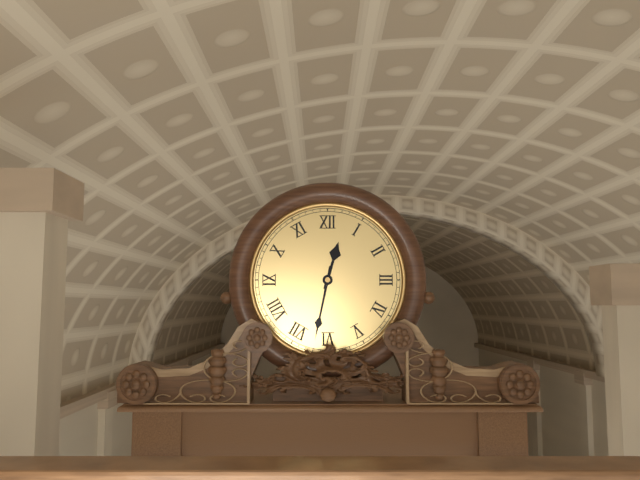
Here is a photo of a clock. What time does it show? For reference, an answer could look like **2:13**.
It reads **12:32**
